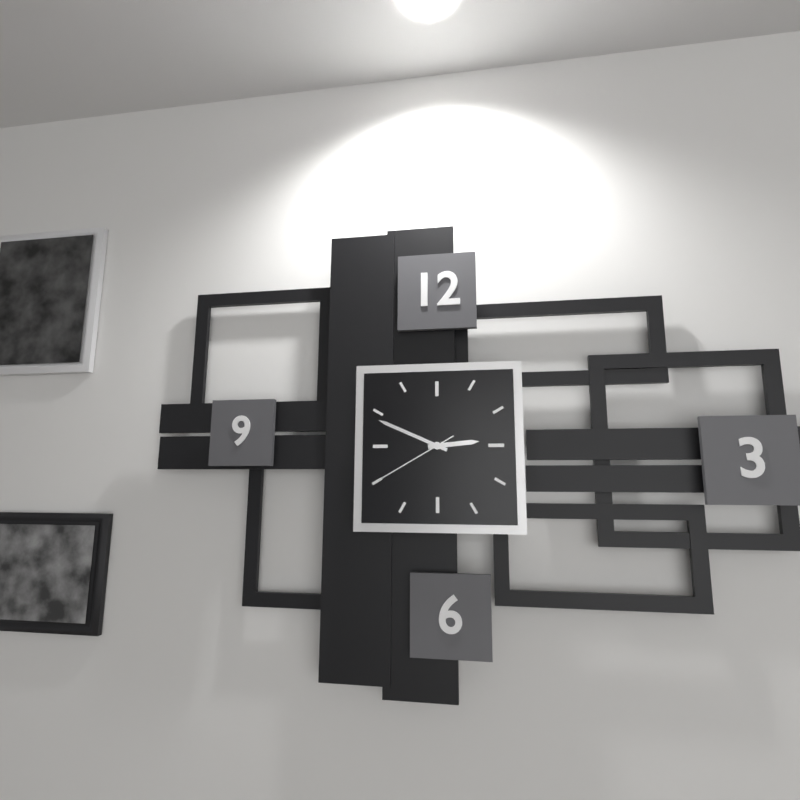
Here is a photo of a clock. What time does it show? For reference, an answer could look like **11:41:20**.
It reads **2:49:40**
